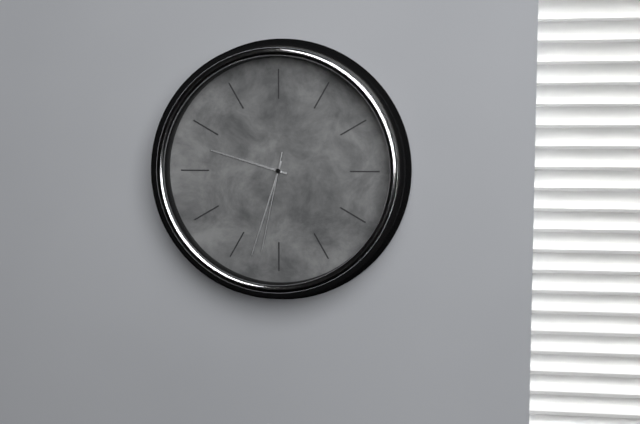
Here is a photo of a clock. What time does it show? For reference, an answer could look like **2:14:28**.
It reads **9:33:32**
